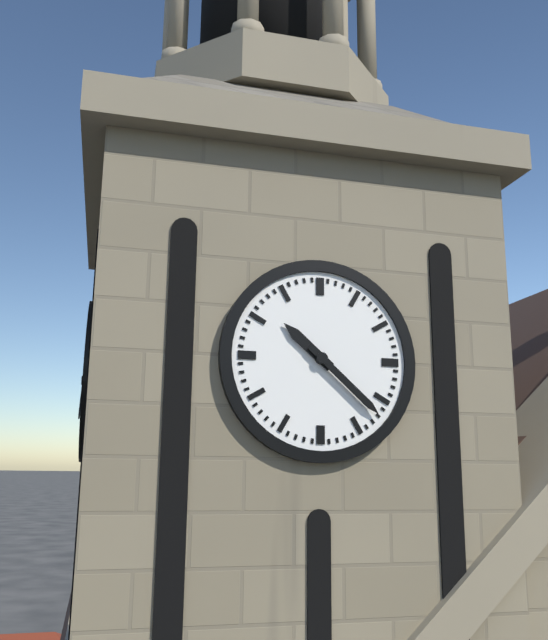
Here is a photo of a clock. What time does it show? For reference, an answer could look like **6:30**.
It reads **10:22**
